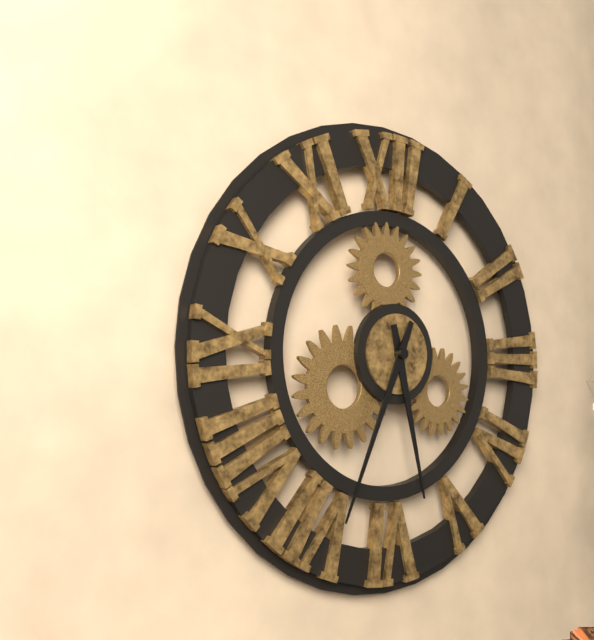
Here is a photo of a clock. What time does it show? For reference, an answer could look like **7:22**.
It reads **5:34**
